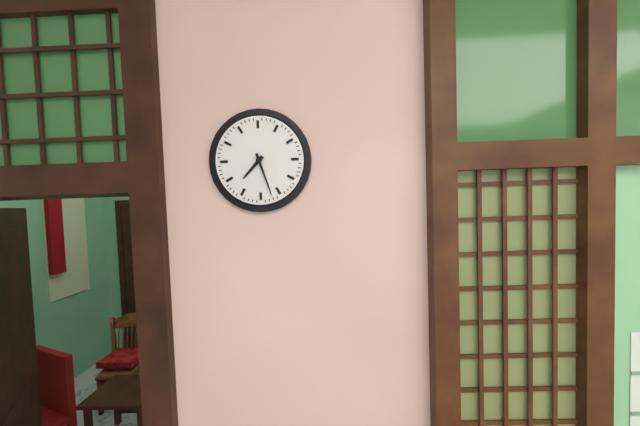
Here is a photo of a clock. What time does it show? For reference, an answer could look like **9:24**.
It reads **7:27**
